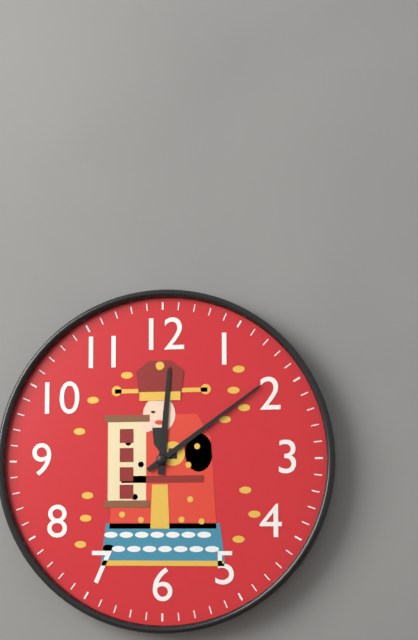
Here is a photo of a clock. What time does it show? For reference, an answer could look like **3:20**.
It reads **12:09**
